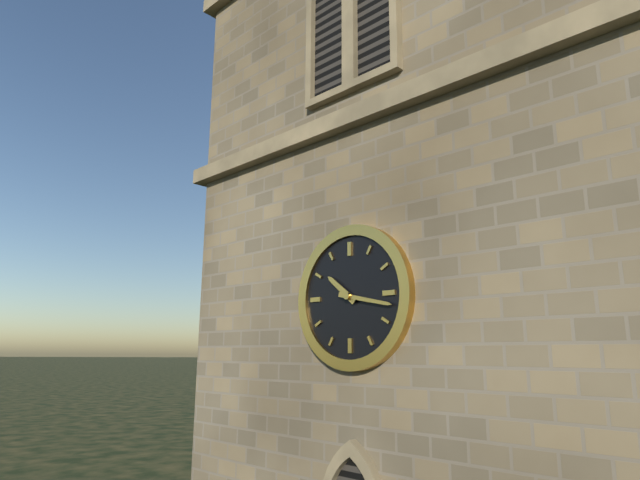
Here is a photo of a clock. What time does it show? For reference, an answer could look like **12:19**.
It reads **10:17**
